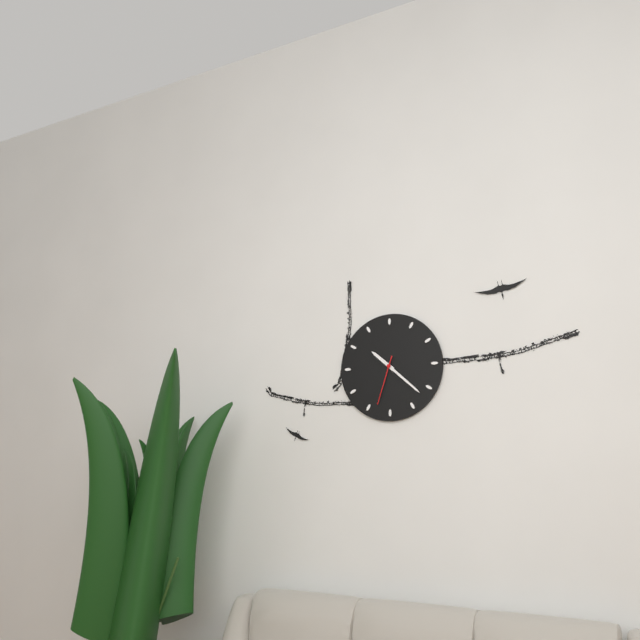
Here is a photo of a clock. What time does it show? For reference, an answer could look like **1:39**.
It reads **10:22**
